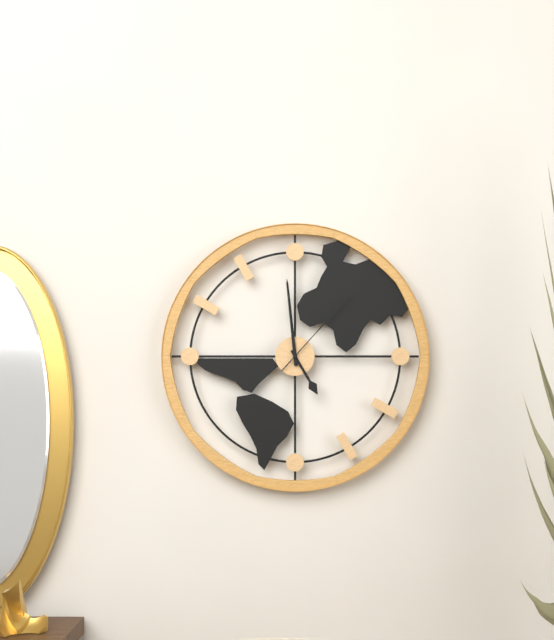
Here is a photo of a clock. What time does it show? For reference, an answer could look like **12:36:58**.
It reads **4:59:07**
